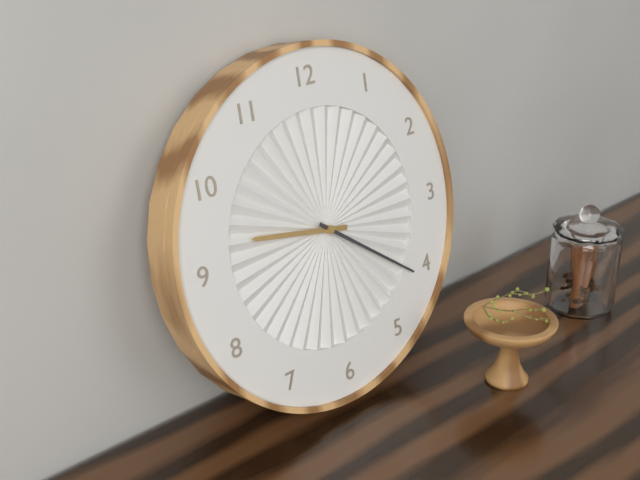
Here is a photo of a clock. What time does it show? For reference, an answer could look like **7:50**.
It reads **9:21**
